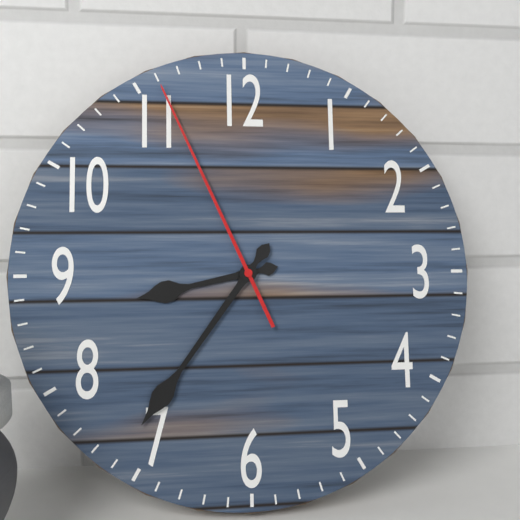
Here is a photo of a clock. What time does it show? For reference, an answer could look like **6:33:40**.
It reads **8:36:56**
